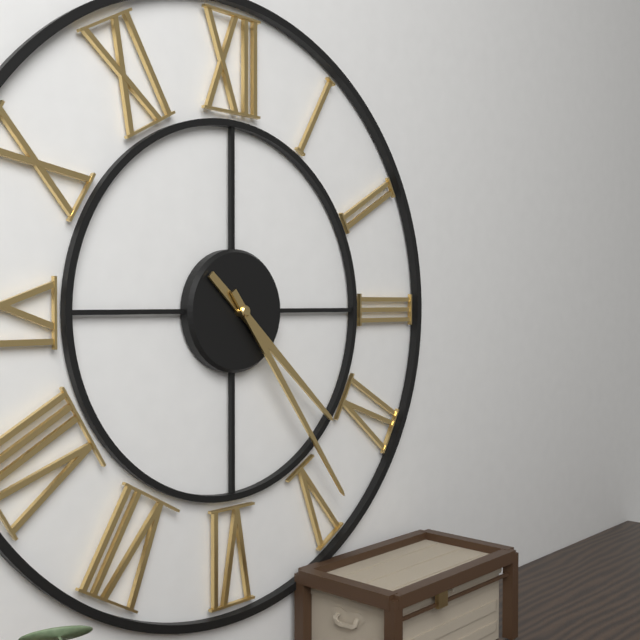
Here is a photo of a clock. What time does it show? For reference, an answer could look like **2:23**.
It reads **4:24**
